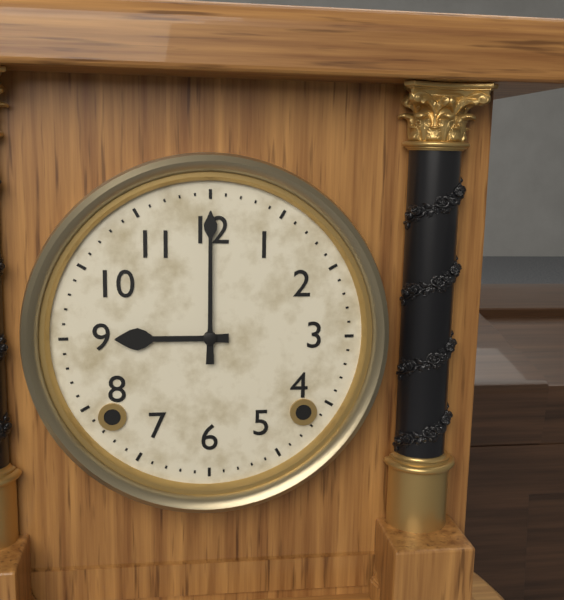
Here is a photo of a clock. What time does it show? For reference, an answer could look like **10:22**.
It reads **9:00**
